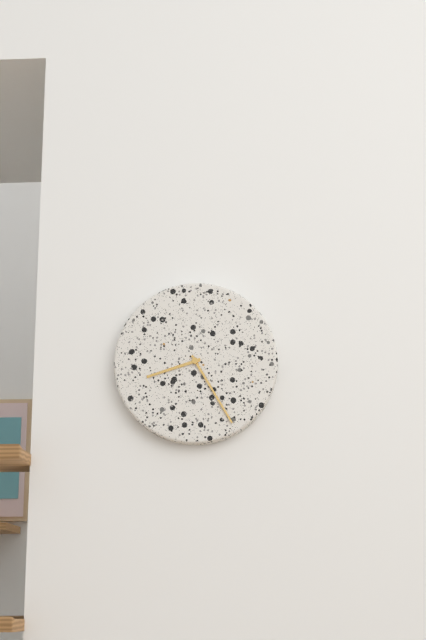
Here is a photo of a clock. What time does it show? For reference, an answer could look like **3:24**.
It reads **8:25**
